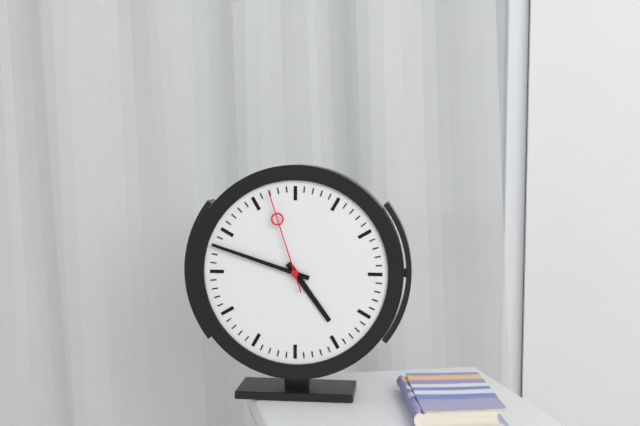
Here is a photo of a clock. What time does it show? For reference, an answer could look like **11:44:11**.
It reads **4:48:57**
